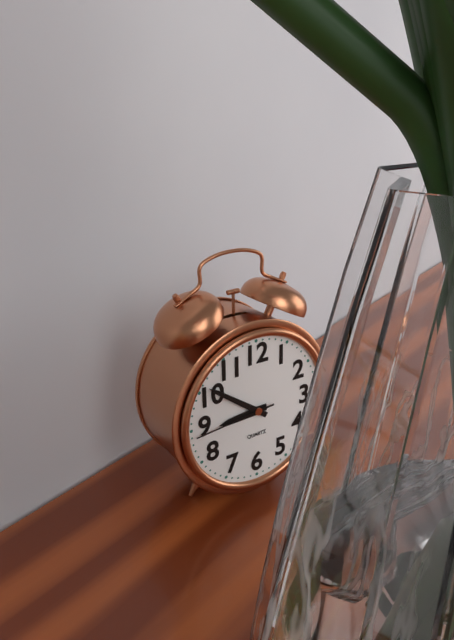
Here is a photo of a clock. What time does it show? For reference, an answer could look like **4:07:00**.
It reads **8:51:44**
